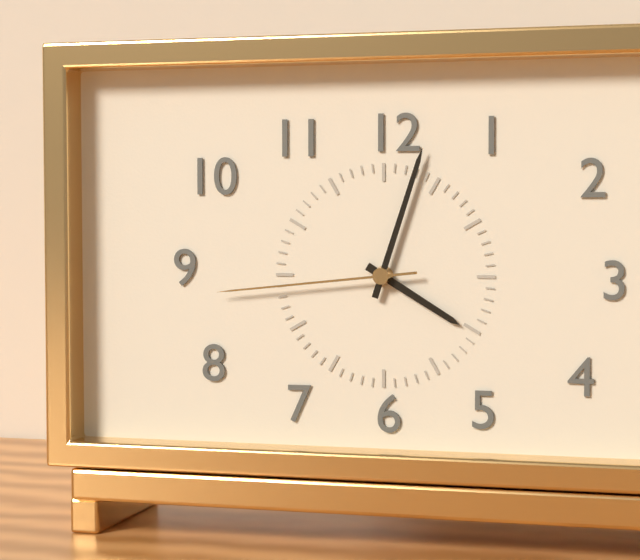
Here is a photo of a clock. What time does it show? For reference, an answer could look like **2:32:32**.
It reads **4:03:44**
